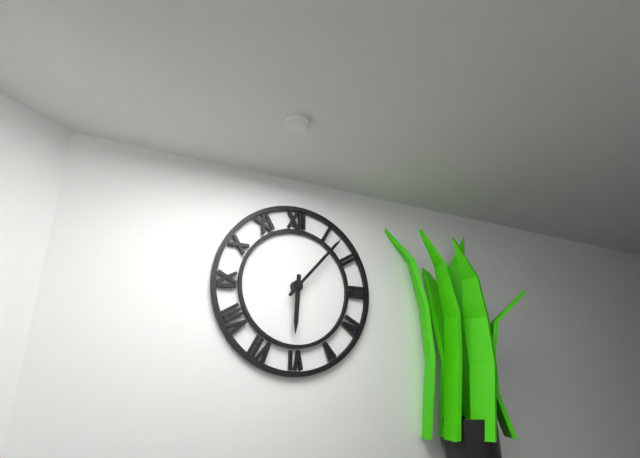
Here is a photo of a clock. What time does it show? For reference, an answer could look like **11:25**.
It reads **6:07**
